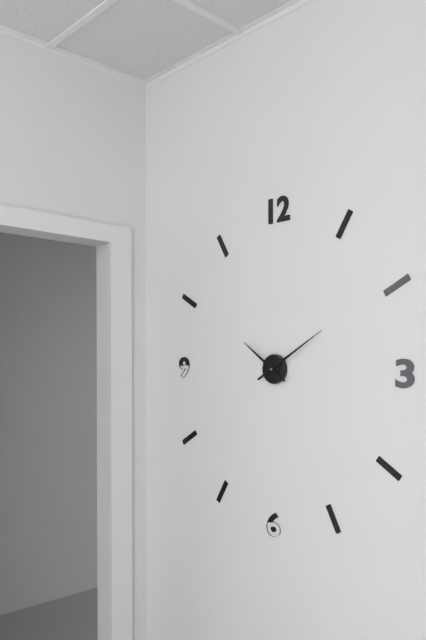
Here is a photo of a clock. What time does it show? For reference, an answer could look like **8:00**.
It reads **10:10**
